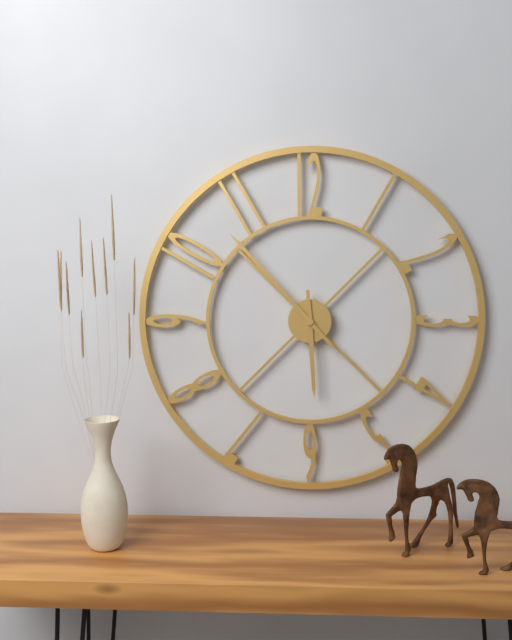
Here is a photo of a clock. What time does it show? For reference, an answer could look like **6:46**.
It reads **5:53**
